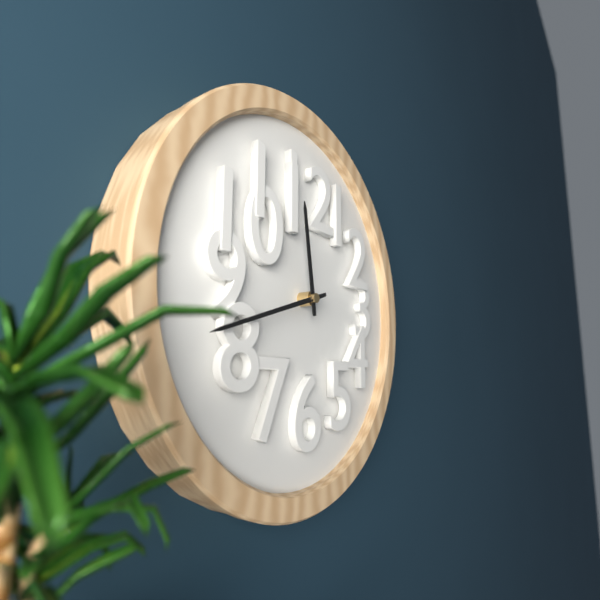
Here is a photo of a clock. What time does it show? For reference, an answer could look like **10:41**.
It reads **11:42**
